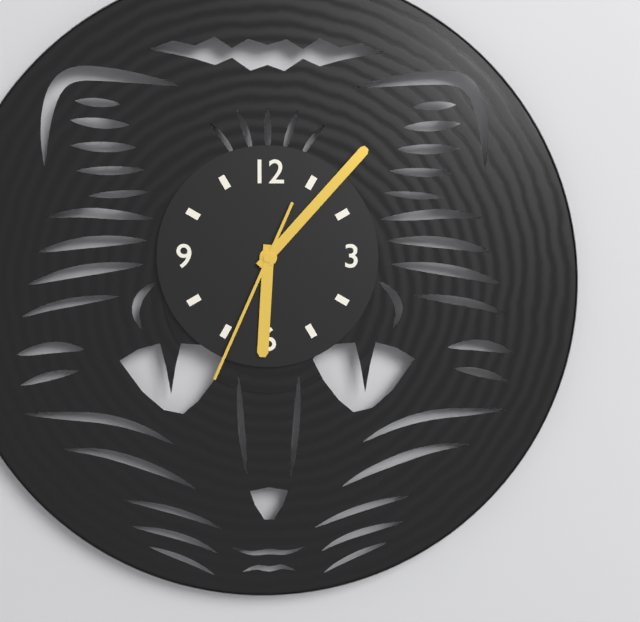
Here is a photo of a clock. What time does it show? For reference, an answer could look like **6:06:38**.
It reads **6:07:34**
